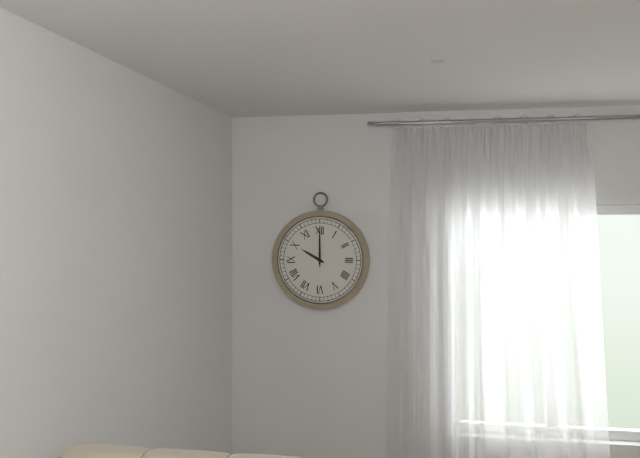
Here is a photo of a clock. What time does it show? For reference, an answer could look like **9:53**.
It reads **10:00**
